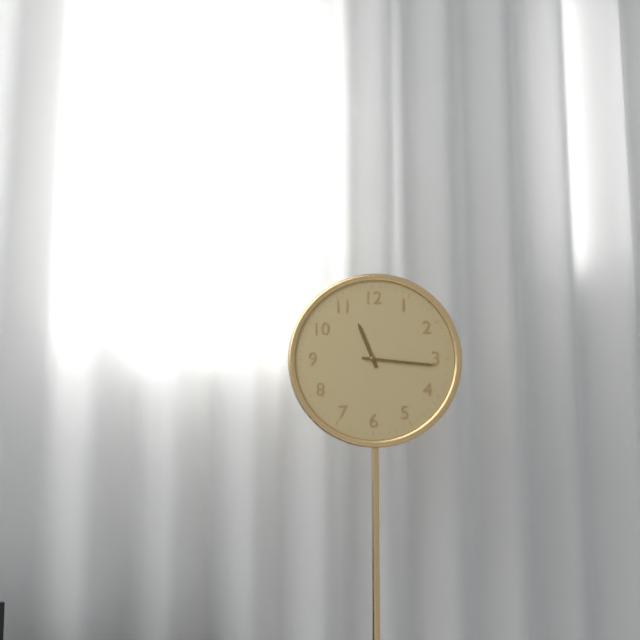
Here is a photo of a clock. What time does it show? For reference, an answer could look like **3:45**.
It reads **11:16**
